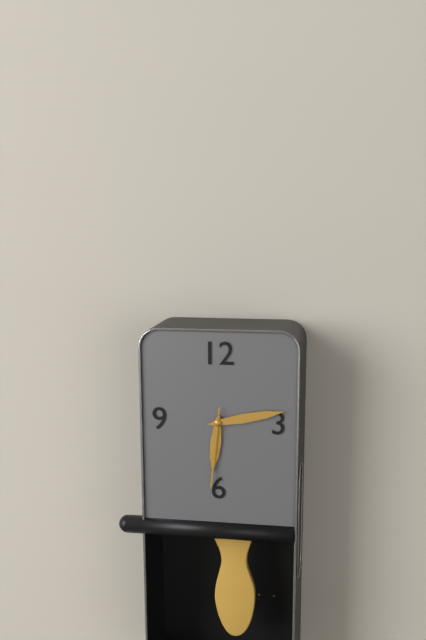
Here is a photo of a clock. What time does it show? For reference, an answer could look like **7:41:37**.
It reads **6:13:31**
